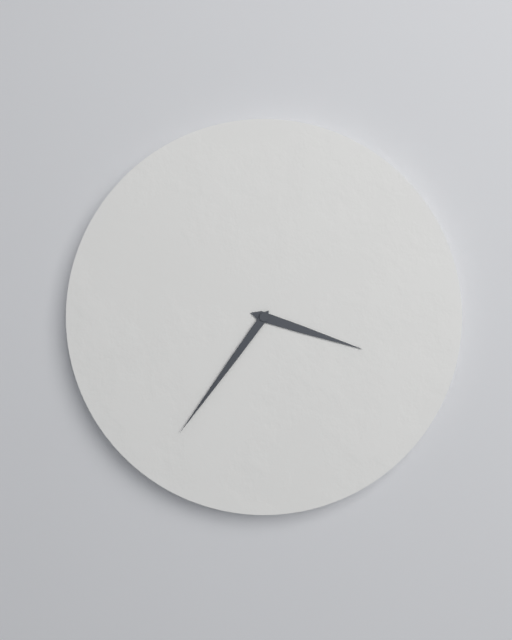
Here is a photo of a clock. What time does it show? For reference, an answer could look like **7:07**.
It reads **3:36**
